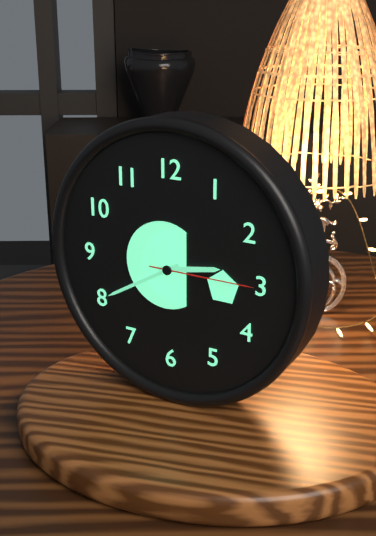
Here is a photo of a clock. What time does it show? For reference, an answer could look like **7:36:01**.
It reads **2:40:15**
